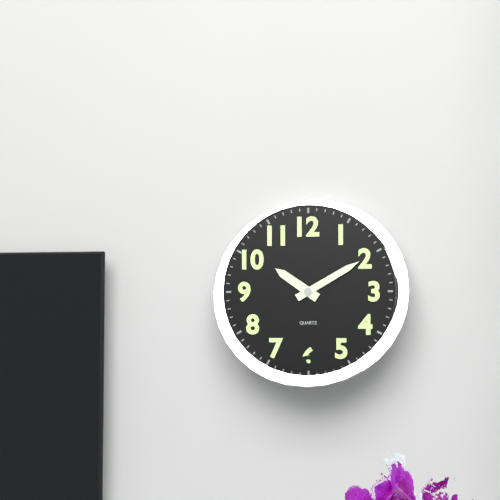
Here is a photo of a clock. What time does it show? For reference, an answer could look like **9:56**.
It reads **10:10**
